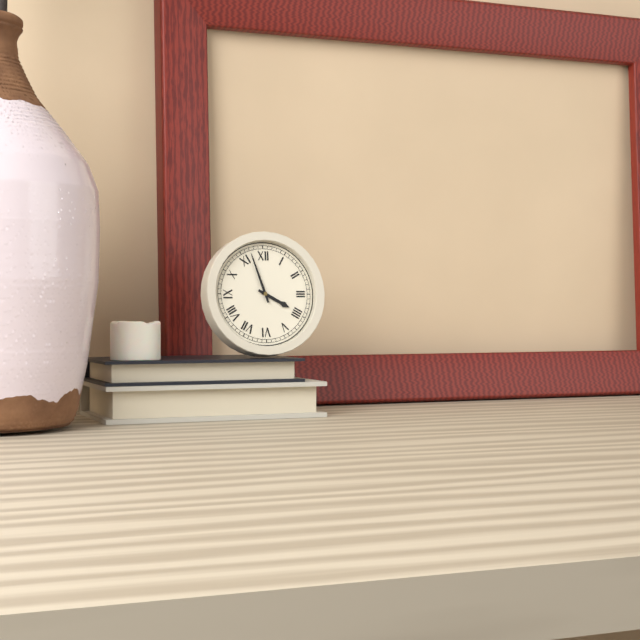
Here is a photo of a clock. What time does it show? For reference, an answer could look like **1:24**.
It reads **3:57**
